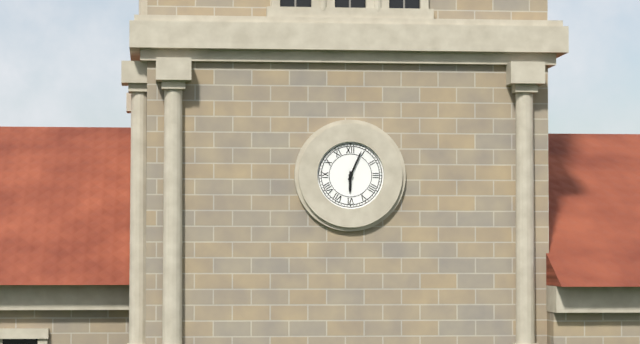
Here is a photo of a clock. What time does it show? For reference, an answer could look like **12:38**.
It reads **6:04**
